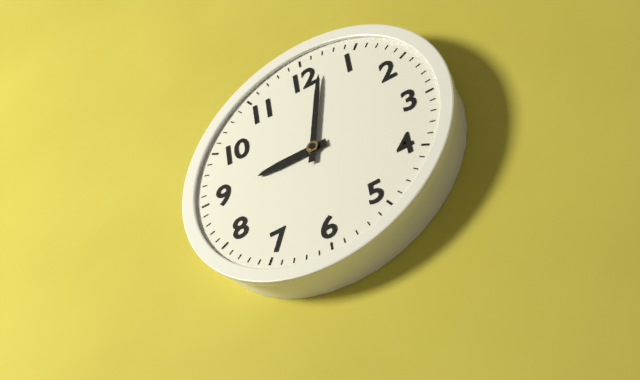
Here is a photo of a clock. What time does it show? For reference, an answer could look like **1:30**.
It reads **9:02**
